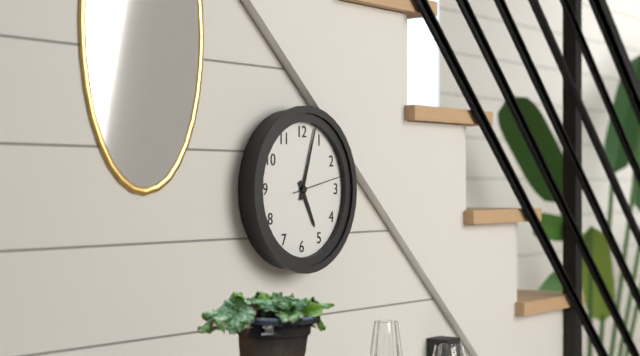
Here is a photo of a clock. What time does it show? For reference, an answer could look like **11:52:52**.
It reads **5:03:13**
